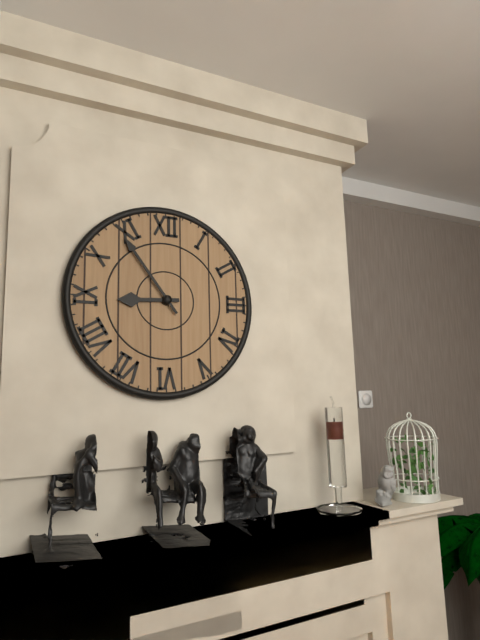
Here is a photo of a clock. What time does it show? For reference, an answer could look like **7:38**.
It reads **8:54**
